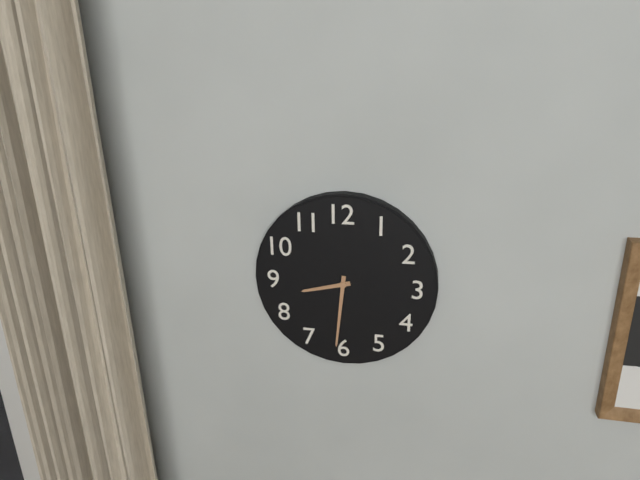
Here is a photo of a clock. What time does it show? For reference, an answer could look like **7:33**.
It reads **8:31**
